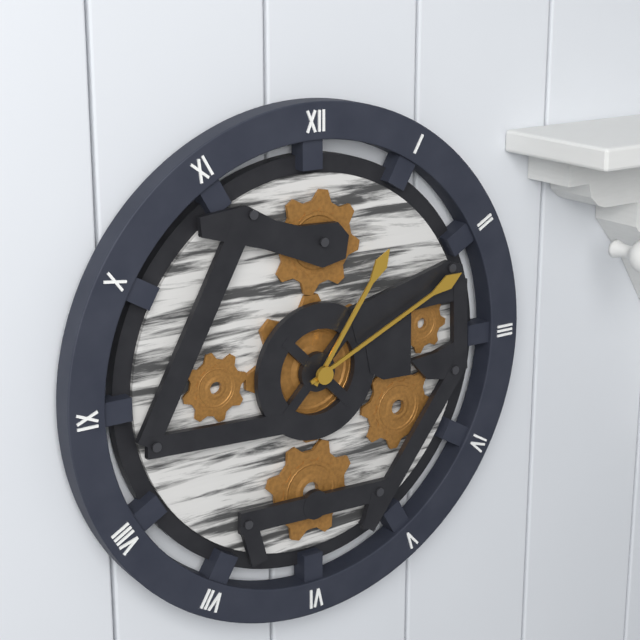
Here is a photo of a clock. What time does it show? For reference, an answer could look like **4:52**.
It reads **1:11**
